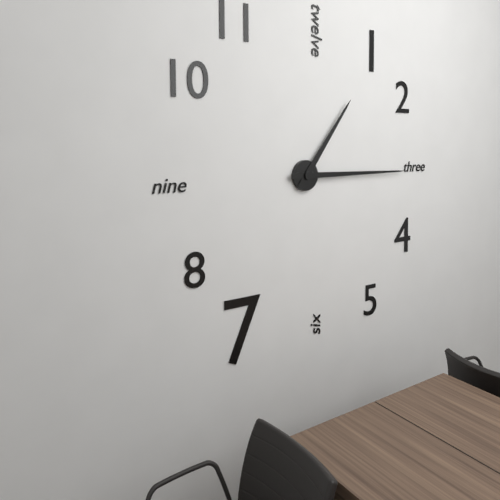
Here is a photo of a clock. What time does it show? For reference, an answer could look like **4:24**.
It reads **1:15**
